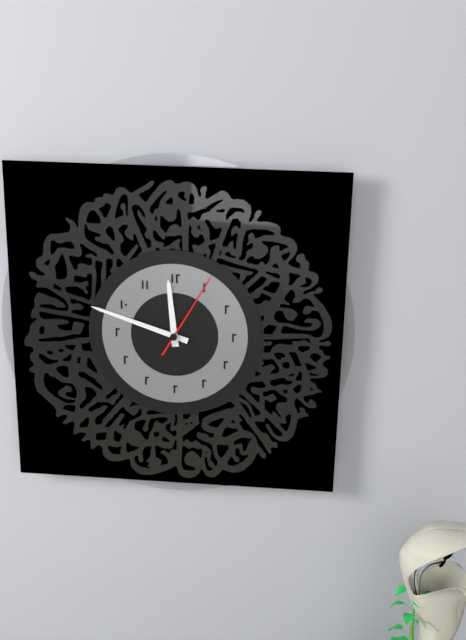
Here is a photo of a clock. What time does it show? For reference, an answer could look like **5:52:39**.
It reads **11:48:05**
